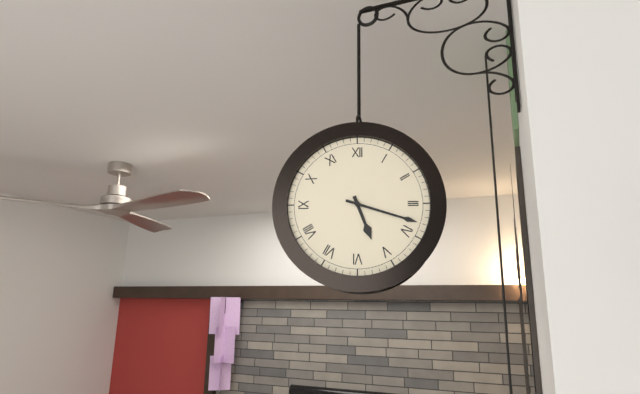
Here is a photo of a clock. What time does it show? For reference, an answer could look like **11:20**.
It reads **5:18**
